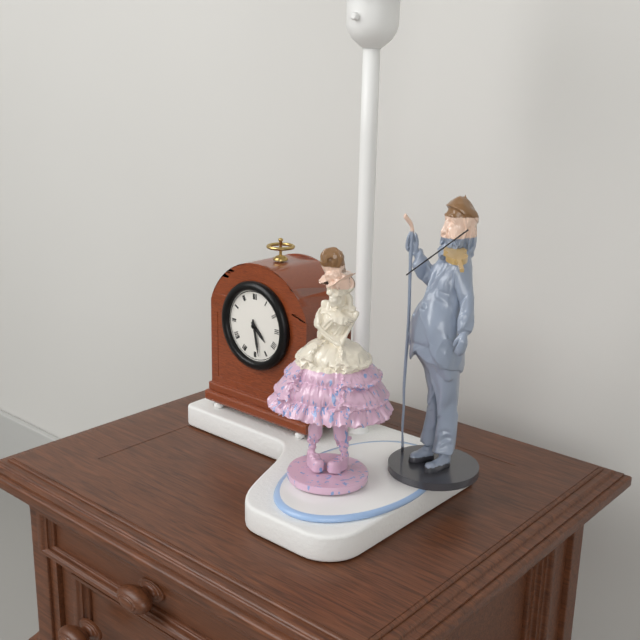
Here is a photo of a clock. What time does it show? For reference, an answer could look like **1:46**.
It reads **4:28**
